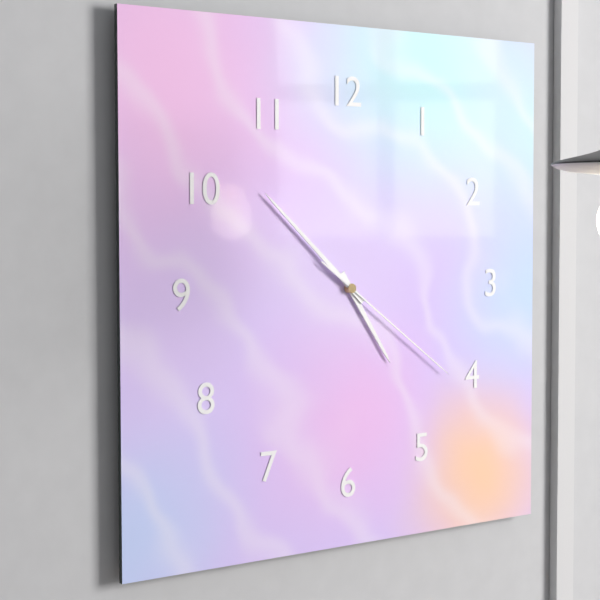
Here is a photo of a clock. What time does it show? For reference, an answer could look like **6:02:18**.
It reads **4:52:21**
